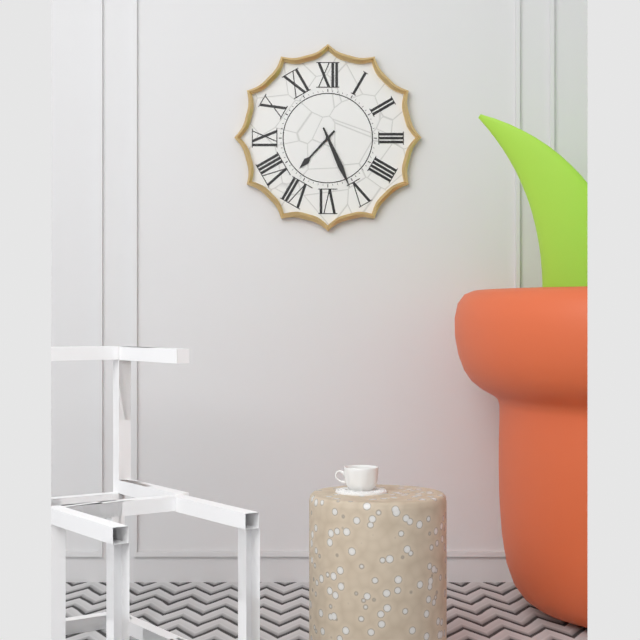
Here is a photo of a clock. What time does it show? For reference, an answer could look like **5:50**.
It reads **7:26**
